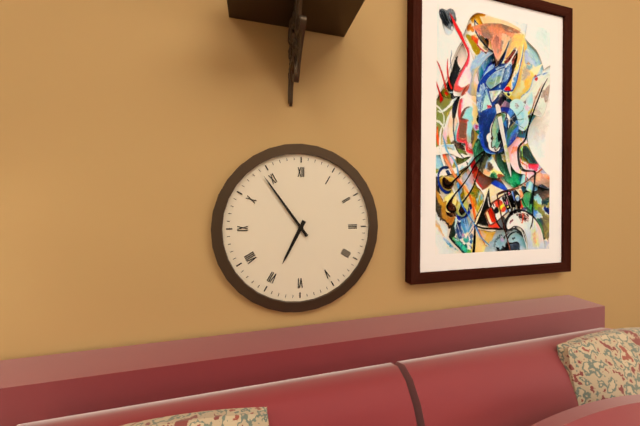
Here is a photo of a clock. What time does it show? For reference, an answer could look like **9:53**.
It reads **6:54**
